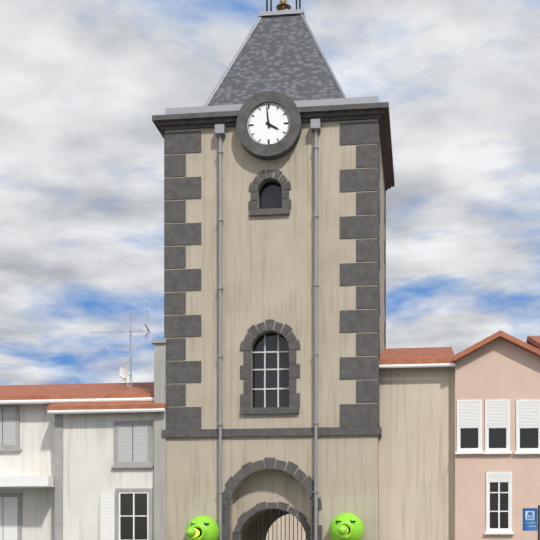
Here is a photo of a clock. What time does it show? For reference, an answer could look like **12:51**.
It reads **3:59**
